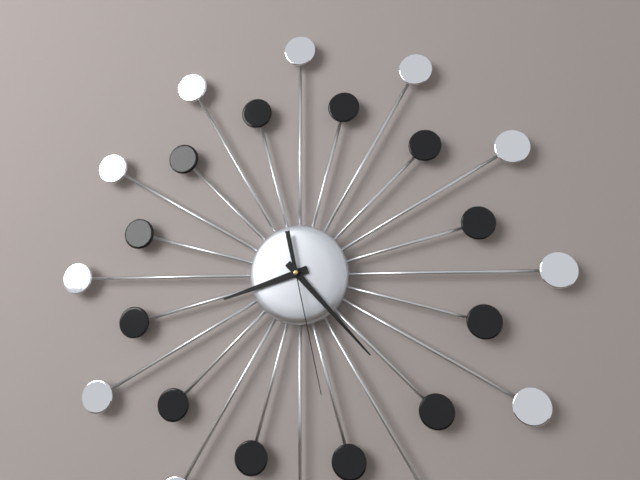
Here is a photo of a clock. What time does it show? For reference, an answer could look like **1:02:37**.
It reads **8:23:28**
